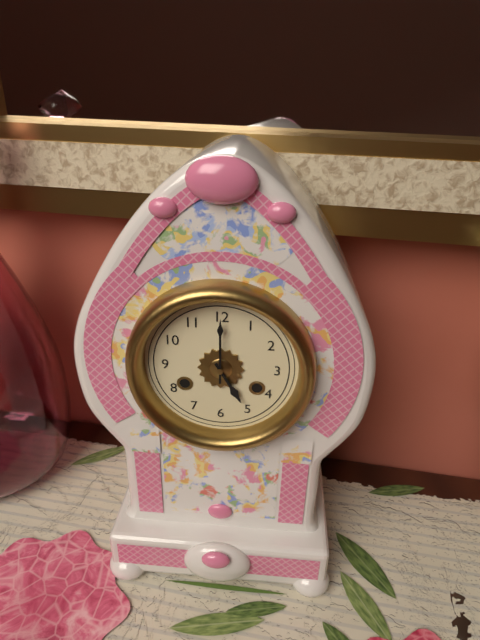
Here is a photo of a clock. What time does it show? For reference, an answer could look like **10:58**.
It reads **5:00**
